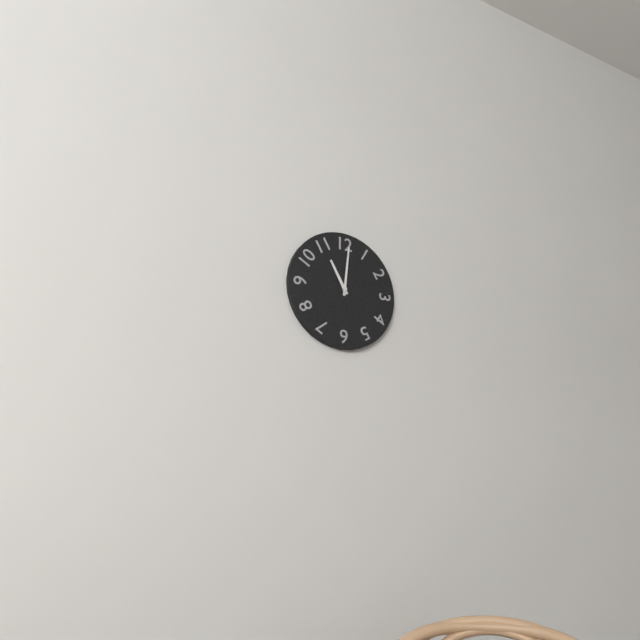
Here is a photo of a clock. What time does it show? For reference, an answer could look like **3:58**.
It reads **11:01**
